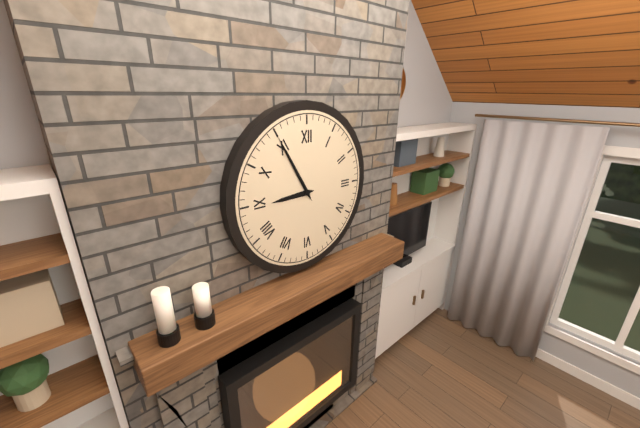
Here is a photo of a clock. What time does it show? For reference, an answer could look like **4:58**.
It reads **8:55**
